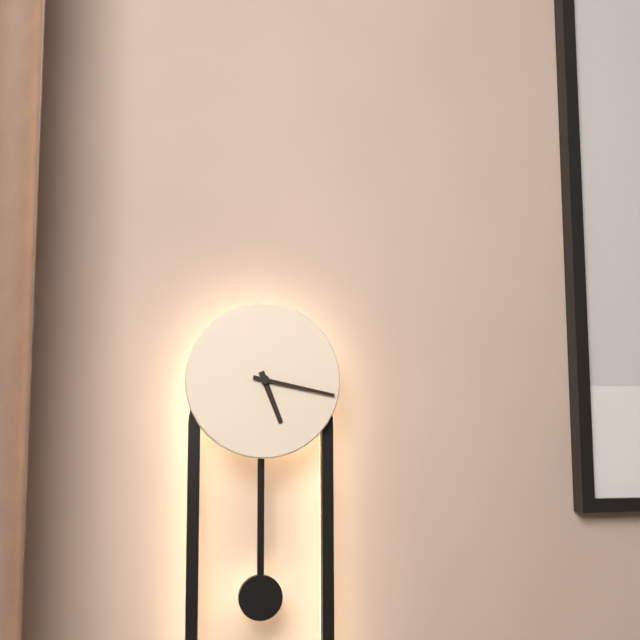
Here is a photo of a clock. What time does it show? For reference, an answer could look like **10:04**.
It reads **5:17**
